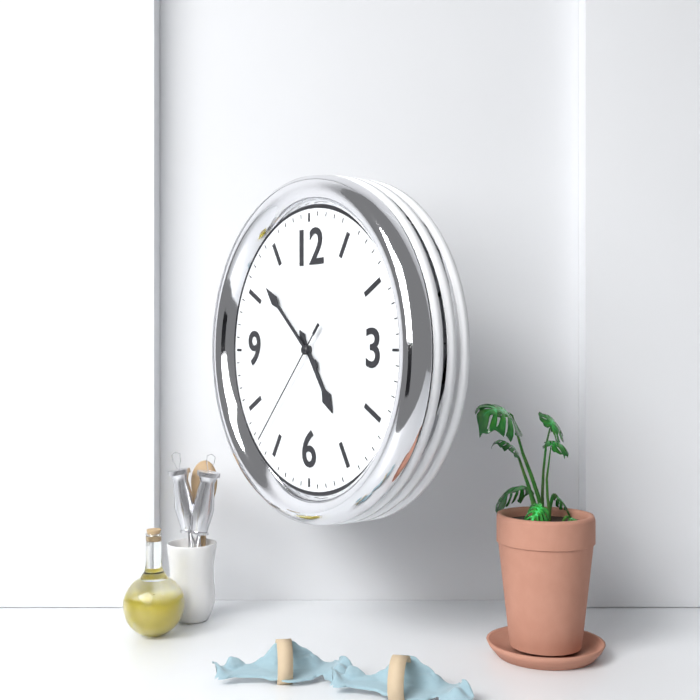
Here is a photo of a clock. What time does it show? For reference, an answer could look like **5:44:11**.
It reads **4:52:37**
